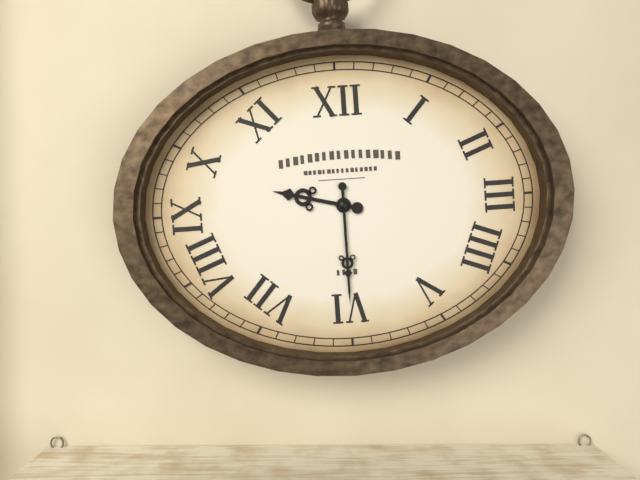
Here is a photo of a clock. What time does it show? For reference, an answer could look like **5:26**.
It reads **9:30**
